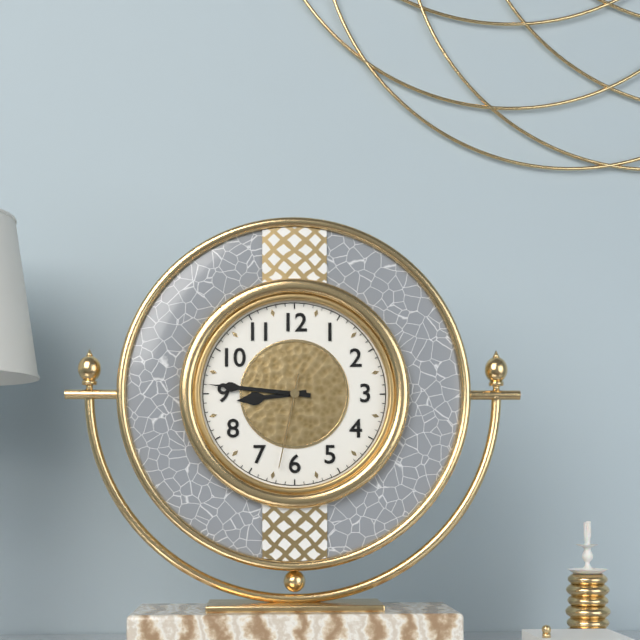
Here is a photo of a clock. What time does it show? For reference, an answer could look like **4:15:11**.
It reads **8:46:32**
